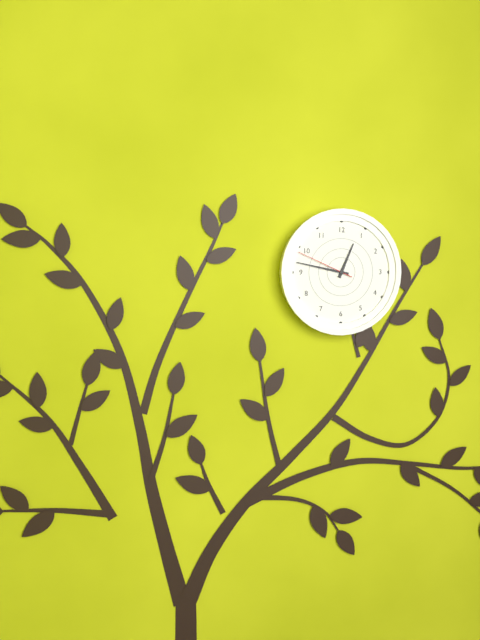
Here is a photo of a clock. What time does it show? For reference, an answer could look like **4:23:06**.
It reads **12:47:49**
